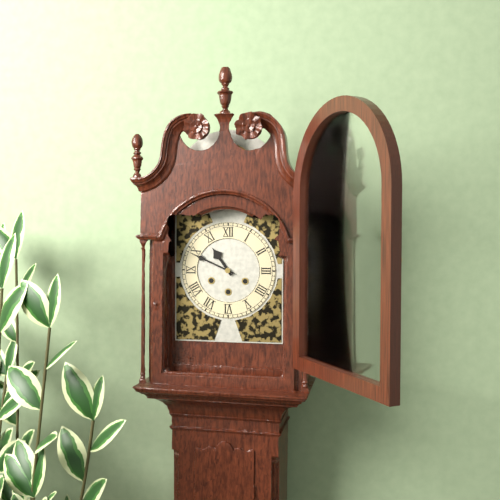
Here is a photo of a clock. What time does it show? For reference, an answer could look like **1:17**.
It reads **10:49**
